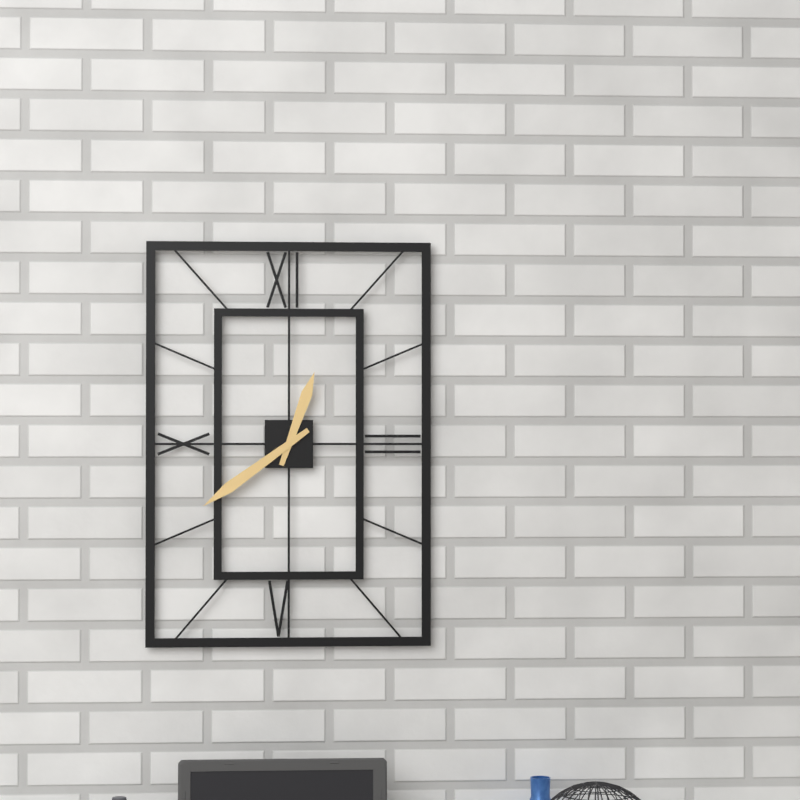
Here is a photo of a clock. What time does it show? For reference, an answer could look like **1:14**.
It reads **12:39**
